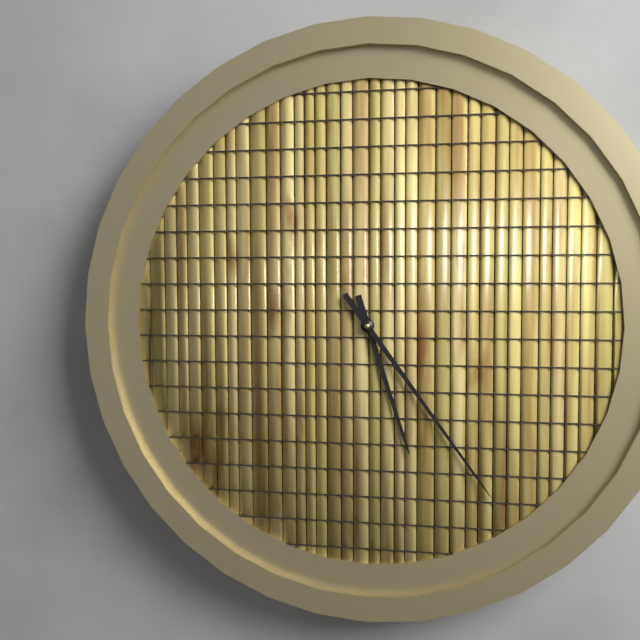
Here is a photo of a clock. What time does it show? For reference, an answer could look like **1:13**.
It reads **5:24**
